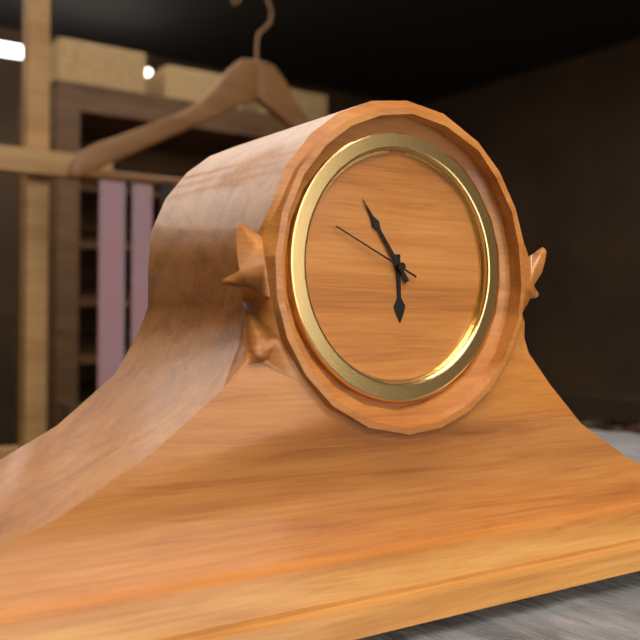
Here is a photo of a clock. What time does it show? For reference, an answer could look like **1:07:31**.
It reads **5:54:49**
